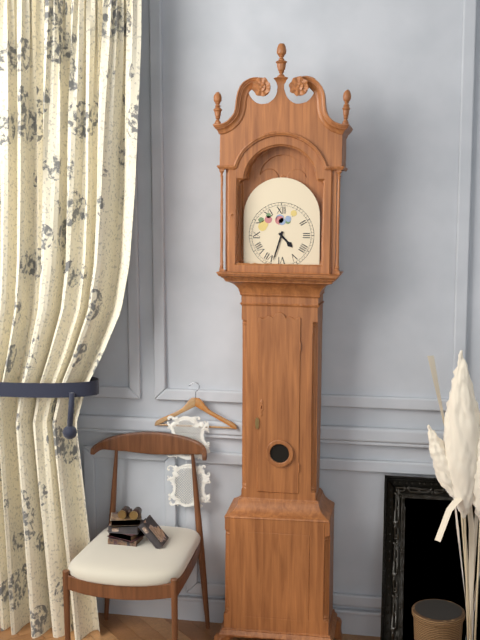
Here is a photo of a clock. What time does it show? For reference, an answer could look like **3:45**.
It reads **4:33**
